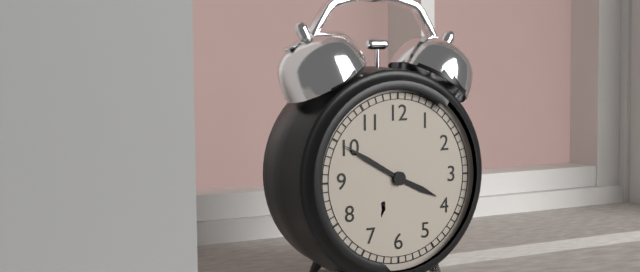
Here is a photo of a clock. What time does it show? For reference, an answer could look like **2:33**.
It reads **3:50**
